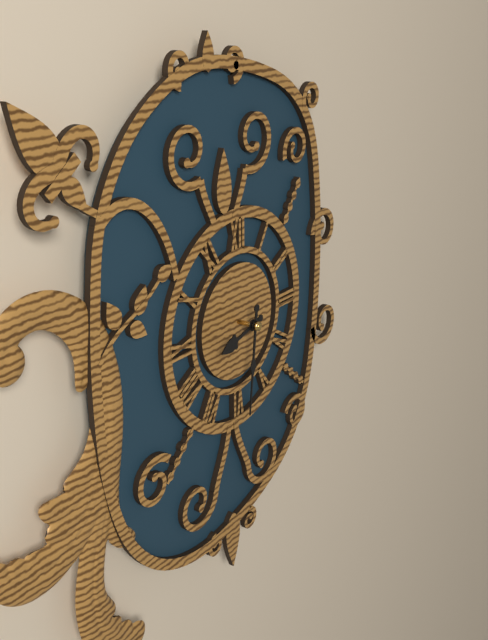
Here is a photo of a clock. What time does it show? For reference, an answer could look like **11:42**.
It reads **8:31**
